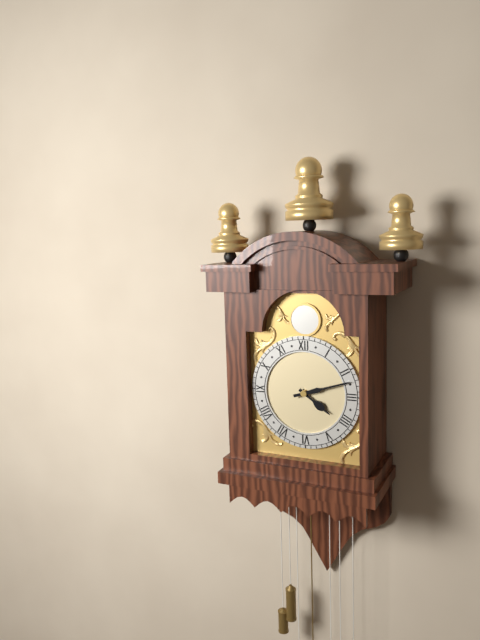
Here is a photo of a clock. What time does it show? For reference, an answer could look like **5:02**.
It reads **4:12**
